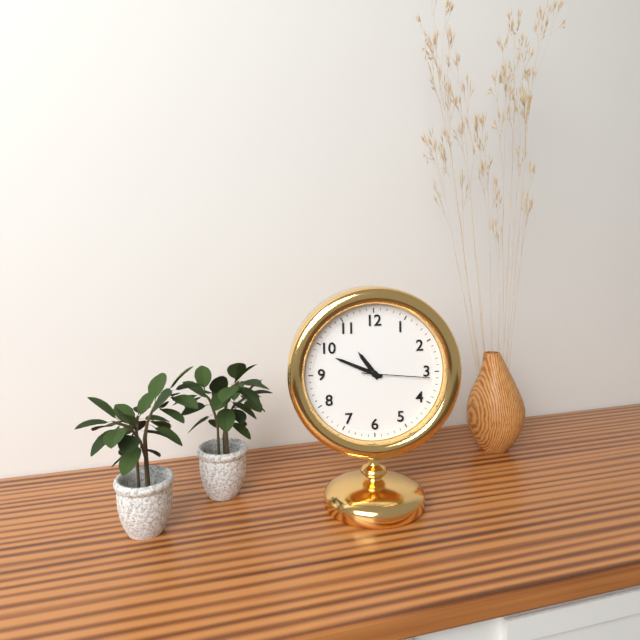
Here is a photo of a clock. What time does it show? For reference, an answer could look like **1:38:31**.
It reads **10:49:16**
